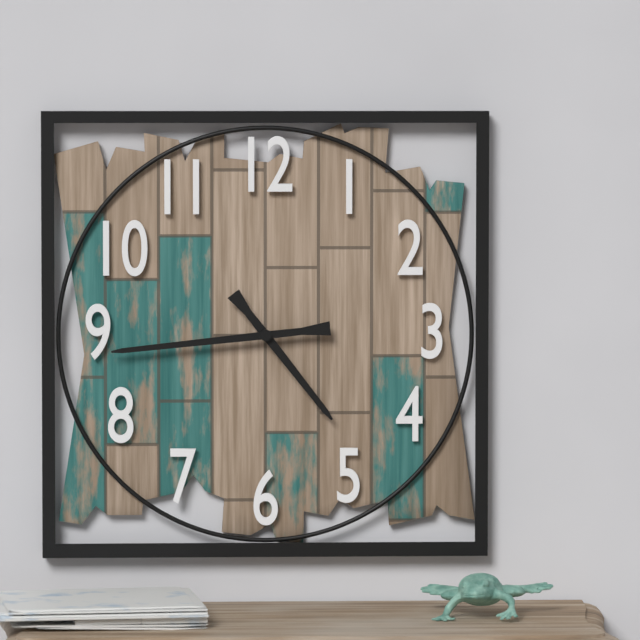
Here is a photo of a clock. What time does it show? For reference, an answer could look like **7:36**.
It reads **4:44**
